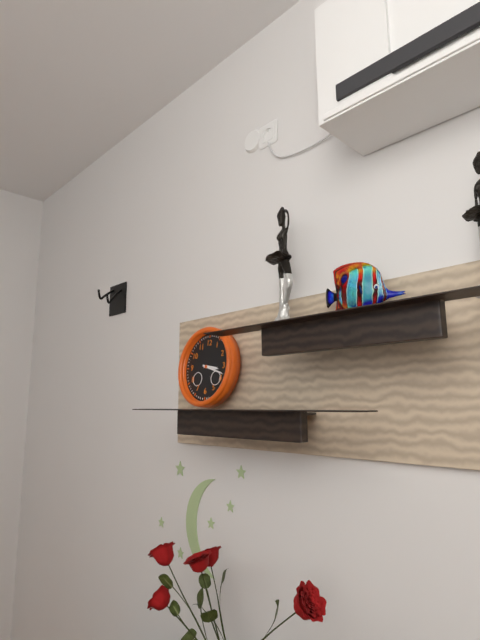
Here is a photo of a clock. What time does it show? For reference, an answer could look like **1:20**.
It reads **3:18**
